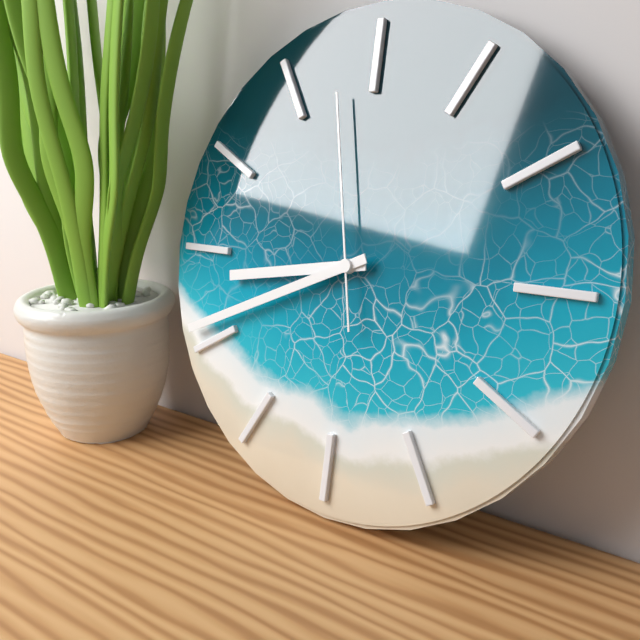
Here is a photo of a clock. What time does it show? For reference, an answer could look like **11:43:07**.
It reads **8:41:58**
